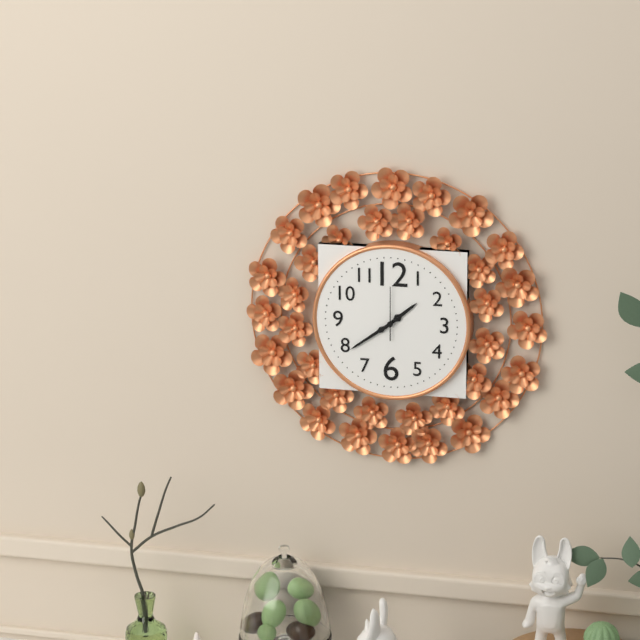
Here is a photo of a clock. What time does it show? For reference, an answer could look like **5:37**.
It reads **1:39**
